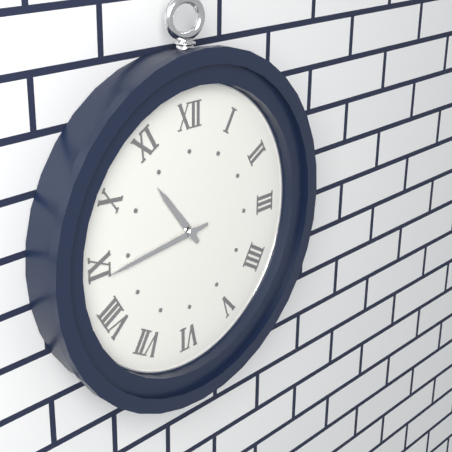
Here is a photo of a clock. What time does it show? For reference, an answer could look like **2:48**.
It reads **10:44**
